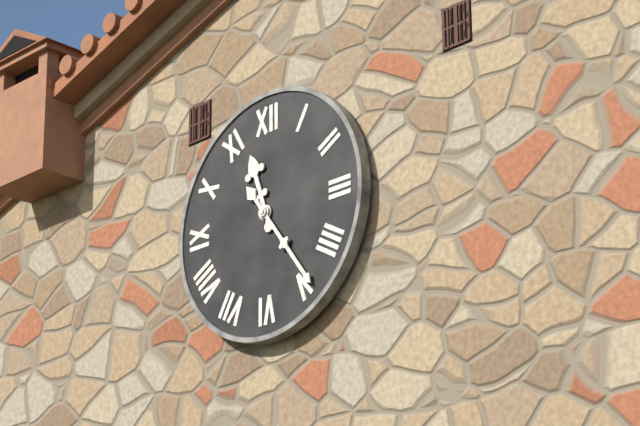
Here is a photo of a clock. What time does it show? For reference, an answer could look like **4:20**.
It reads **11:24**
